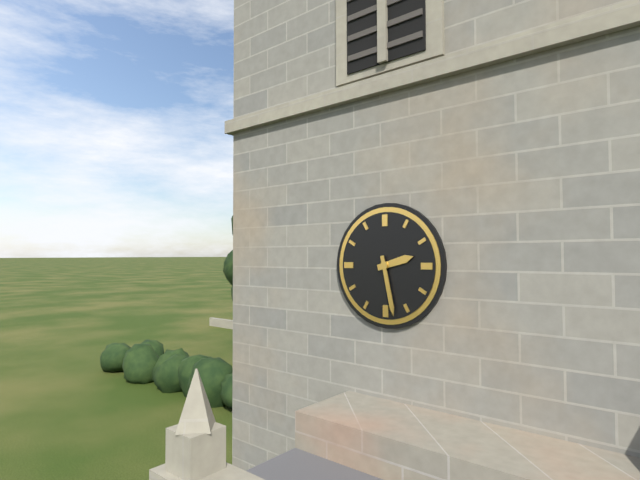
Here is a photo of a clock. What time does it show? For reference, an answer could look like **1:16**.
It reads **2:28**
